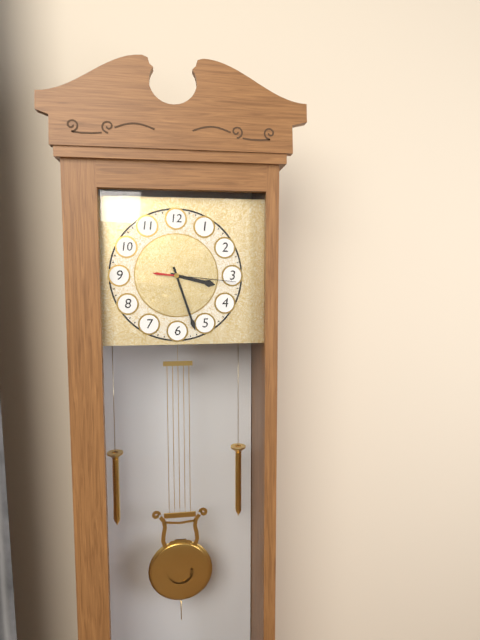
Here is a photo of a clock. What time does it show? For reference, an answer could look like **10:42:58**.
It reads **3:27:16**
